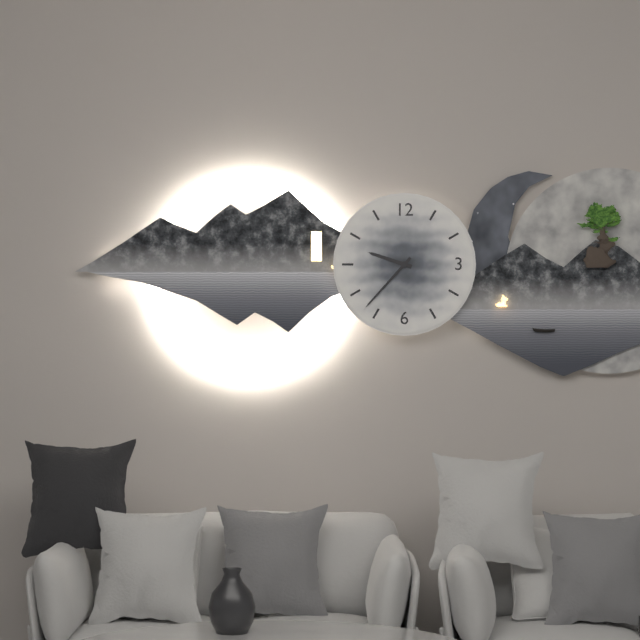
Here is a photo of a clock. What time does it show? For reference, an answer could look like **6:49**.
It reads **9:37**
